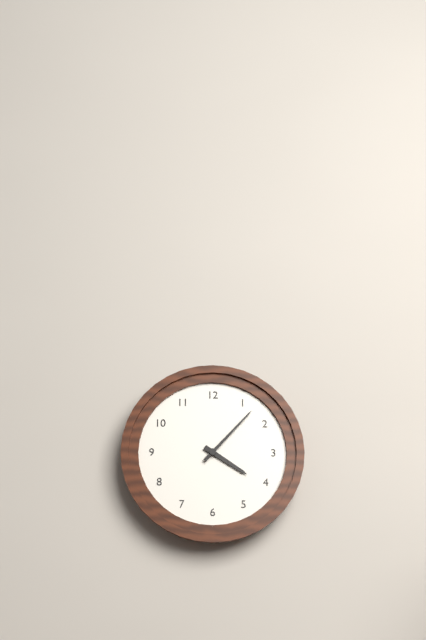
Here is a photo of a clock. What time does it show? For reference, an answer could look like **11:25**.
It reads **4:07**
